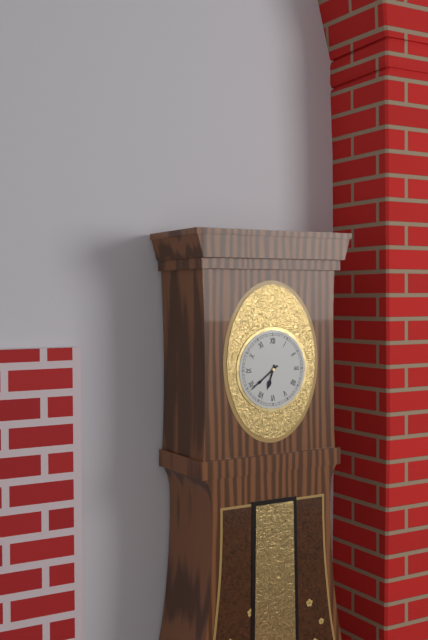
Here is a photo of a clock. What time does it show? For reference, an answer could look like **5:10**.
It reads **6:39**
